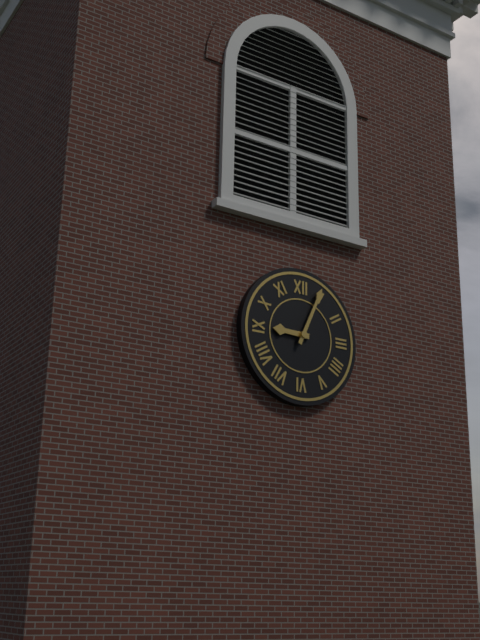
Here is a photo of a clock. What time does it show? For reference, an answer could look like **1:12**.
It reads **9:04**
